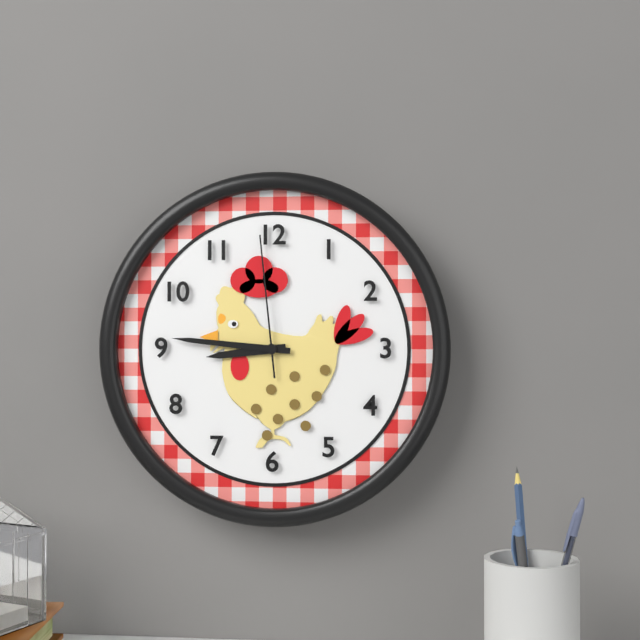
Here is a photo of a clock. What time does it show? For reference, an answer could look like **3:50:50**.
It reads **8:46:59**
